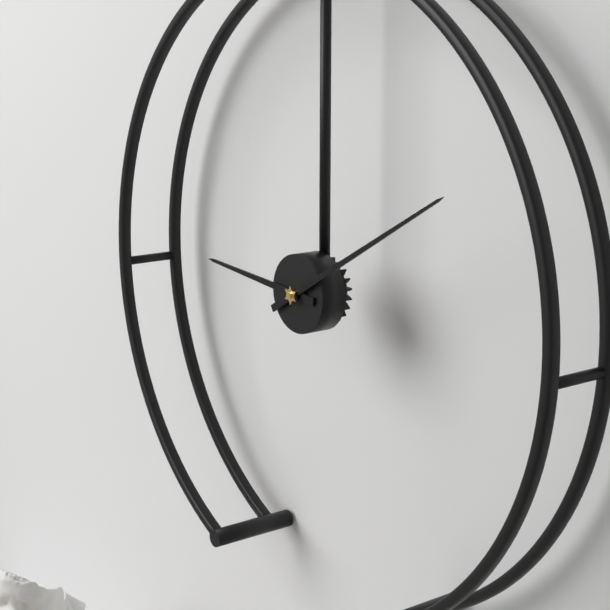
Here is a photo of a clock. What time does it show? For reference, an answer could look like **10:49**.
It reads **9:10**
